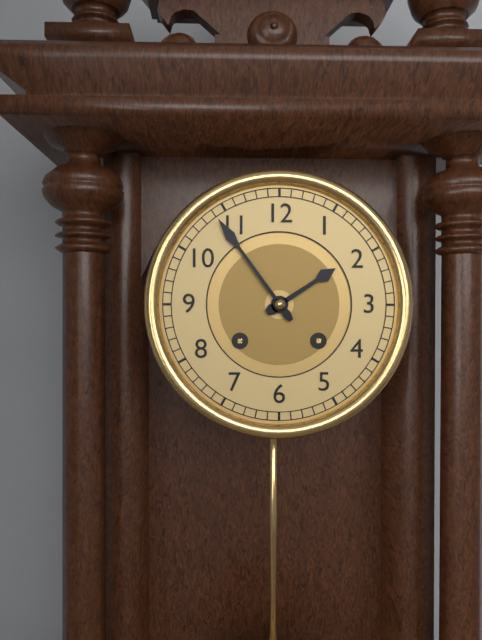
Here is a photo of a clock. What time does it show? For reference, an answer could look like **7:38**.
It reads **1:54**
